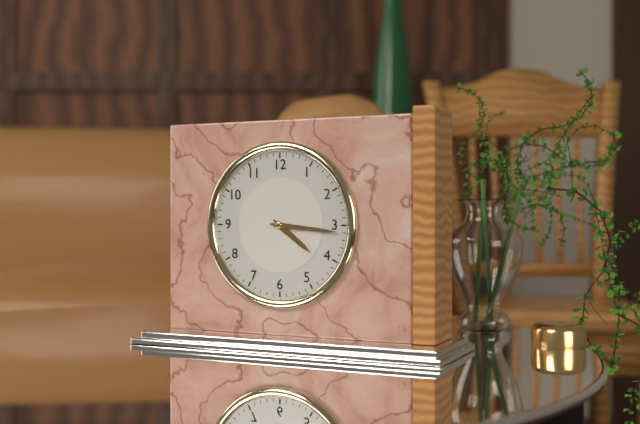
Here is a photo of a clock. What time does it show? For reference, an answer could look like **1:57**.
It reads **4:16**
